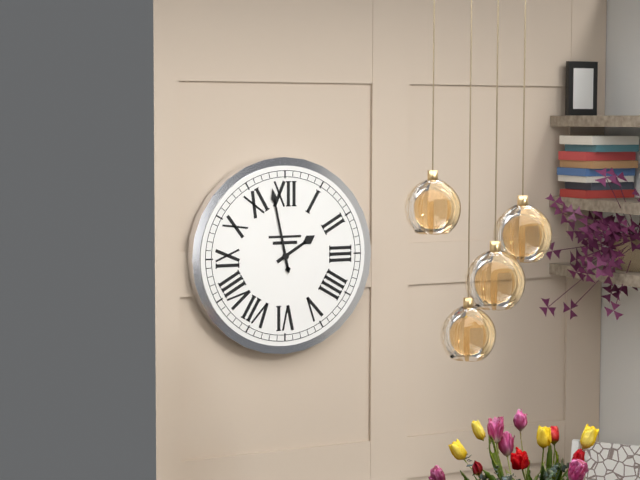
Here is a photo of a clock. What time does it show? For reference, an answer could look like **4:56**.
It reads **1:58**
